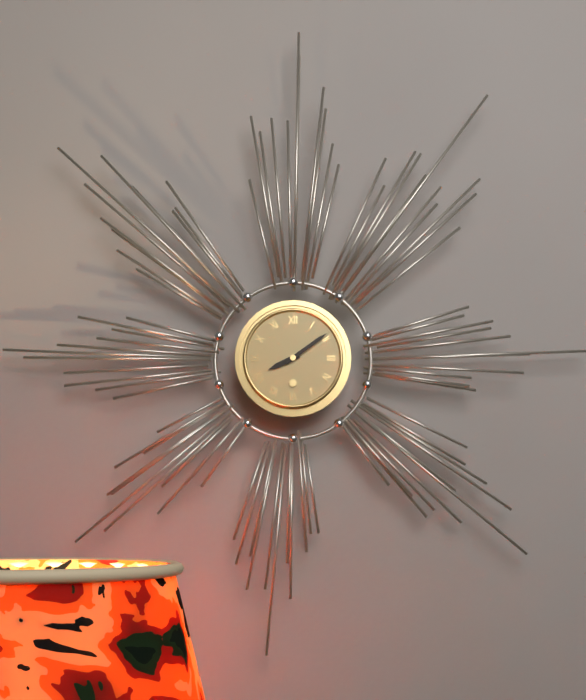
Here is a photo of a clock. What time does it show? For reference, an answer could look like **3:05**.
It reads **8:09**
